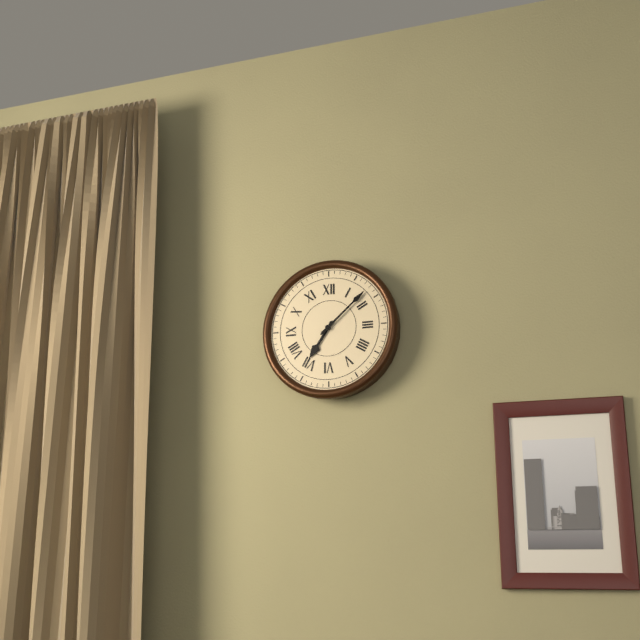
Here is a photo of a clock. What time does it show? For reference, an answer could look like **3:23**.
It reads **7:08**
